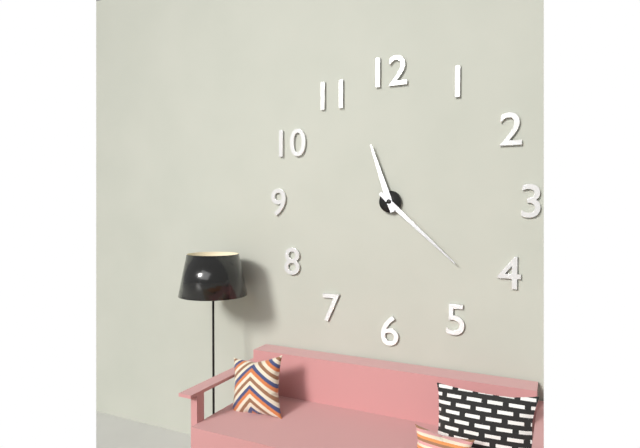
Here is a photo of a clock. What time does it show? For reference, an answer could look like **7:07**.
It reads **11:22**
